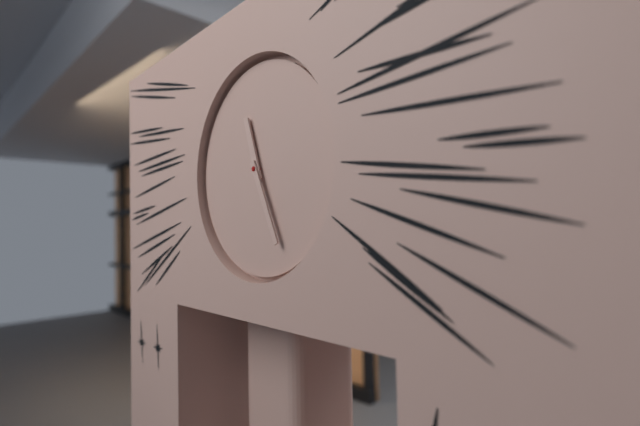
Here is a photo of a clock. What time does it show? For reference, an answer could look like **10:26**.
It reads **11:26**
